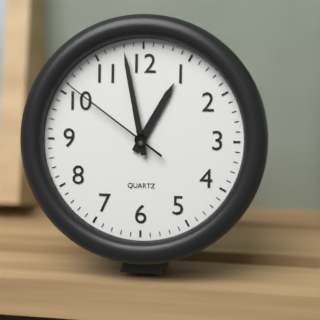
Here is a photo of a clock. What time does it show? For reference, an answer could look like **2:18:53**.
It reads **12:58:51**
